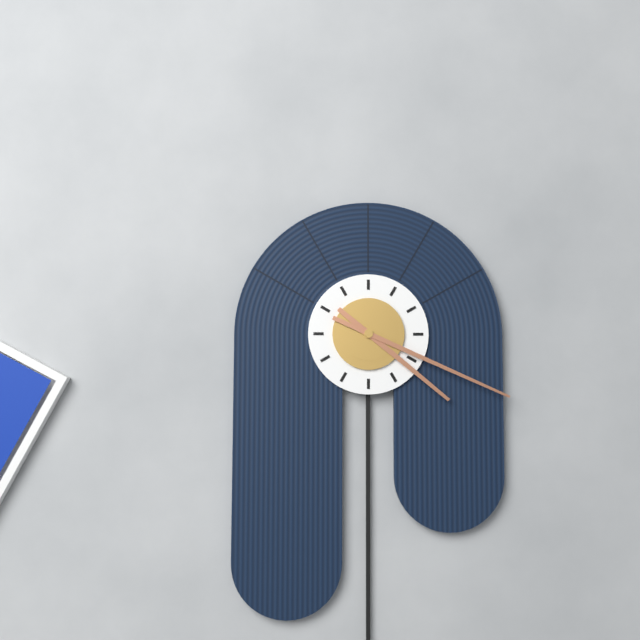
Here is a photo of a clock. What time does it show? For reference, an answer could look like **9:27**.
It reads **4:19**
